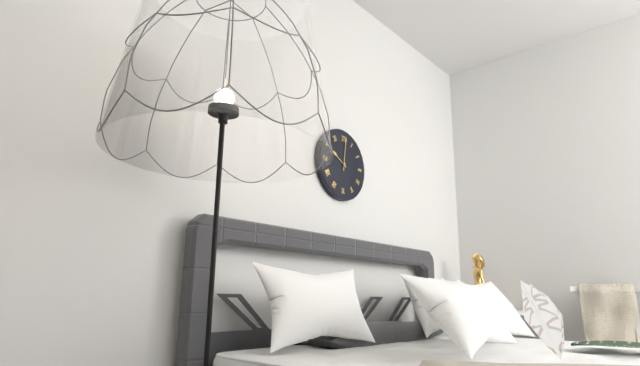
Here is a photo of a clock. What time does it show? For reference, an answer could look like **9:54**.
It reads **10:01**
